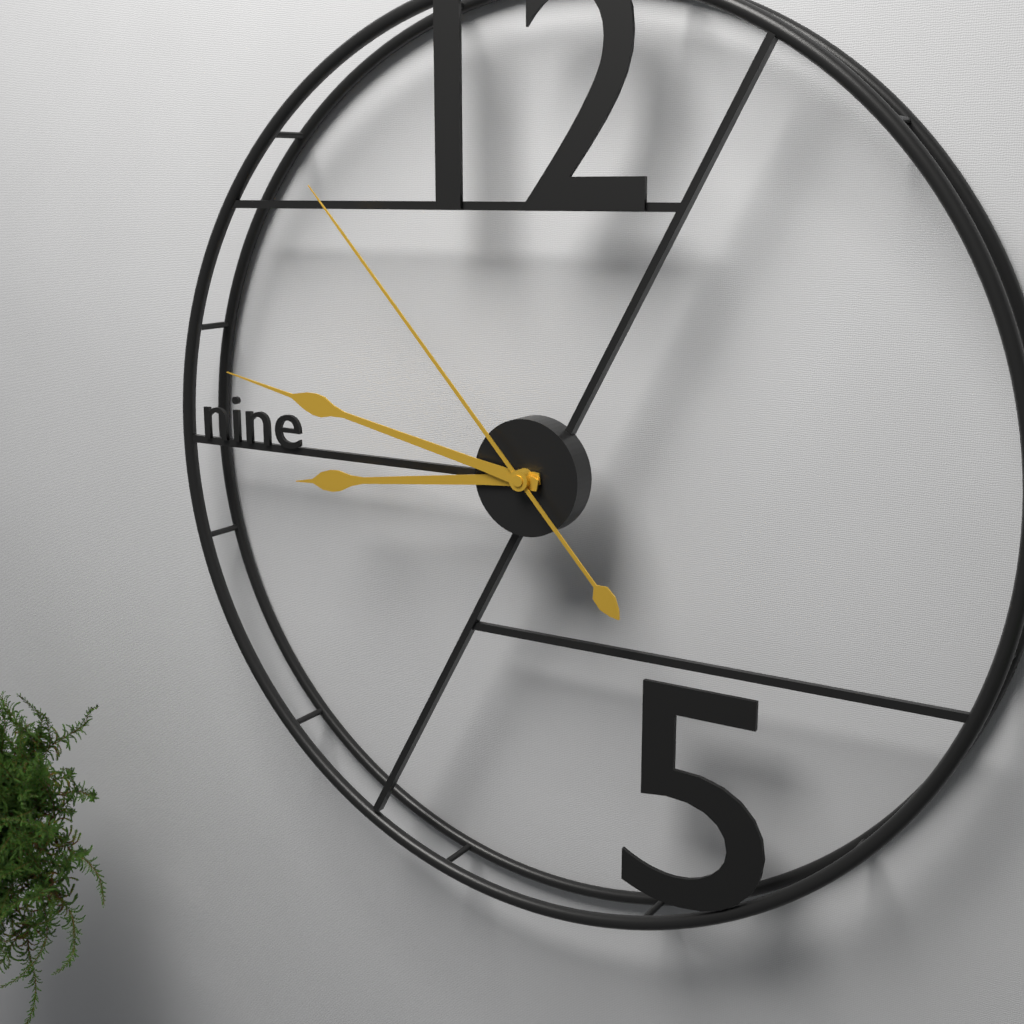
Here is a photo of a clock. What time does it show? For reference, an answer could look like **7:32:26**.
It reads **8:47:53**
